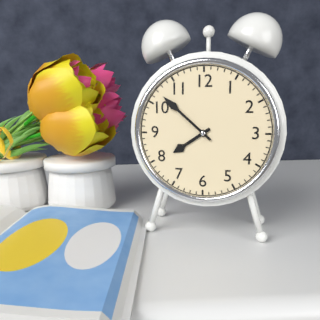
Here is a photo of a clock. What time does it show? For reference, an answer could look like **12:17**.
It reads **7:52**
